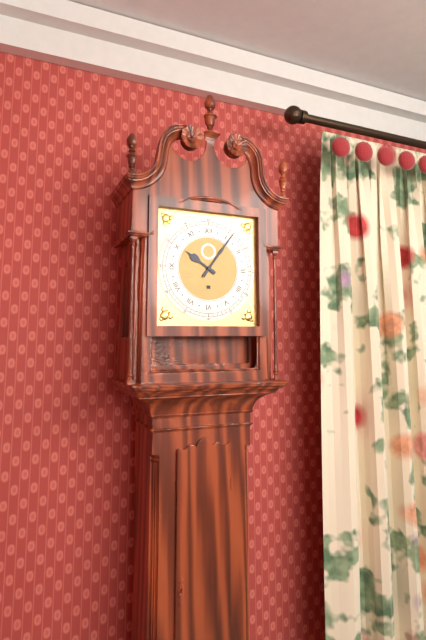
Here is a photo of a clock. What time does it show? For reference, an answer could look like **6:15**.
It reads **10:06**
